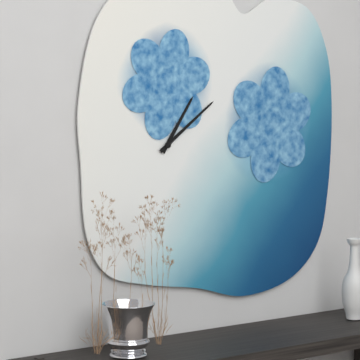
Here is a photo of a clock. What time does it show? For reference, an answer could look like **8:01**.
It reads **1:09**
